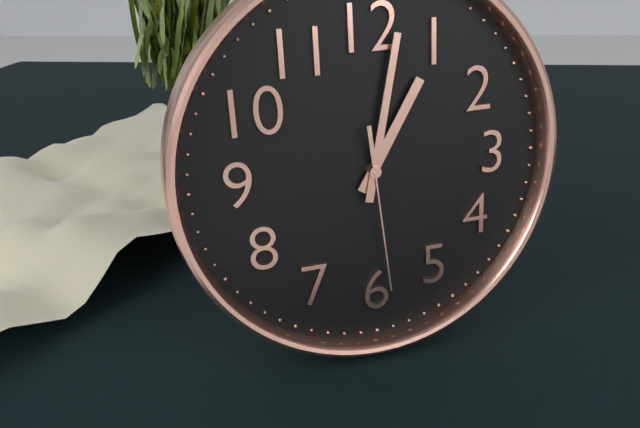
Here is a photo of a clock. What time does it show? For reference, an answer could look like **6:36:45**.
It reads **1:02:29**
